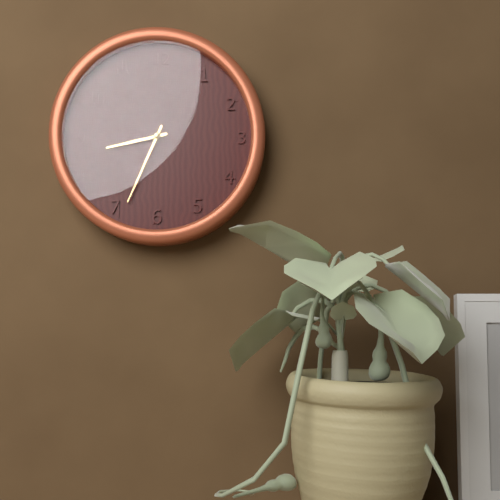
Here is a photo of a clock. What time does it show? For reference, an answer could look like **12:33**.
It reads **8:34**
